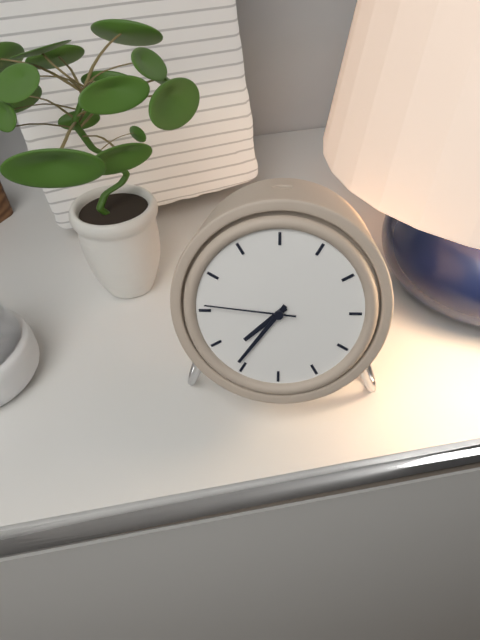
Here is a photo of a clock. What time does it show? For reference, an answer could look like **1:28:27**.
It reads **7:36:46**
